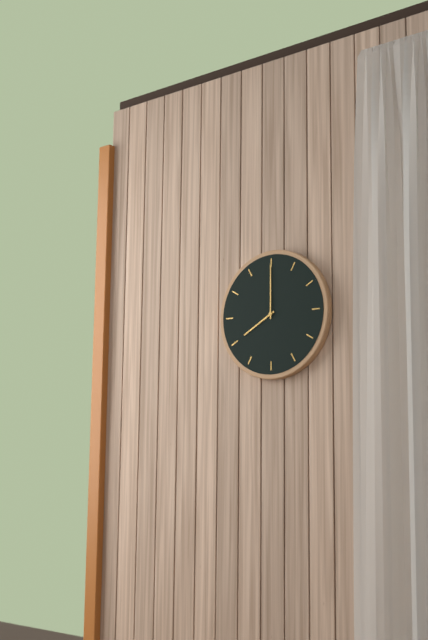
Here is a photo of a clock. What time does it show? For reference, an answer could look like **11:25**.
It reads **8:00**
